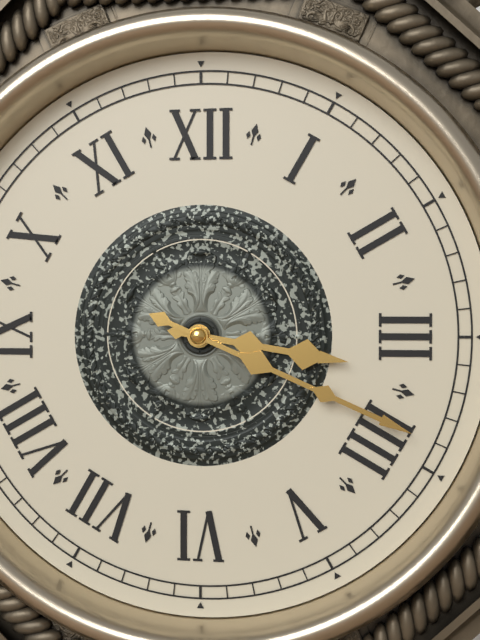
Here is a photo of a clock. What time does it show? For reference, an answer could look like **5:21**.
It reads **3:19**
